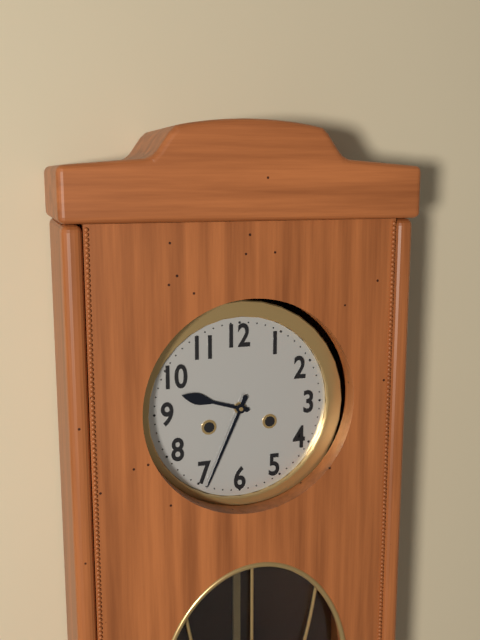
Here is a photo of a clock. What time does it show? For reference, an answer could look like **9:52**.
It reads **9:34**
